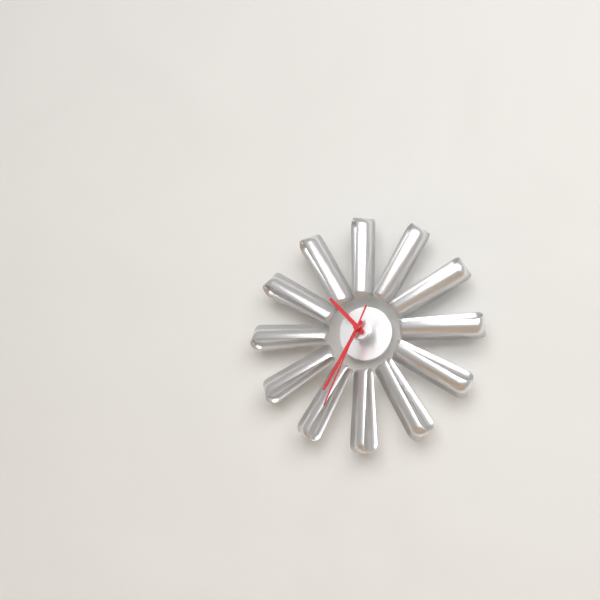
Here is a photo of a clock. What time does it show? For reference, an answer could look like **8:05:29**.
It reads **10:35:34**
